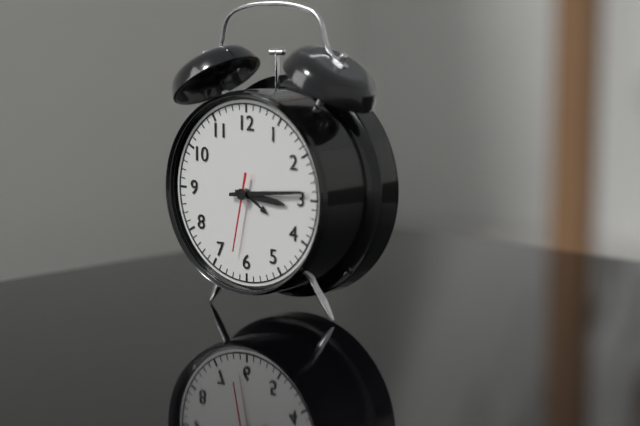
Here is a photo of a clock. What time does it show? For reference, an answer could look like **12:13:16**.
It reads **3:14:32**
